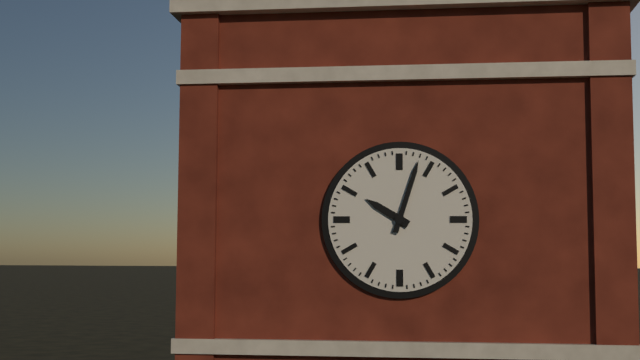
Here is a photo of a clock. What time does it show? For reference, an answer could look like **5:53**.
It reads **10:03**
